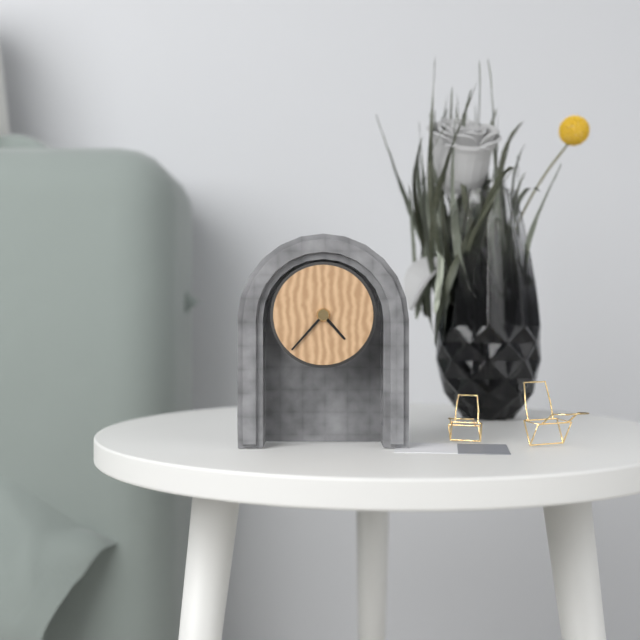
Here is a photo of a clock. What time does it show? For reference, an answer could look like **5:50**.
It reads **4:37**
